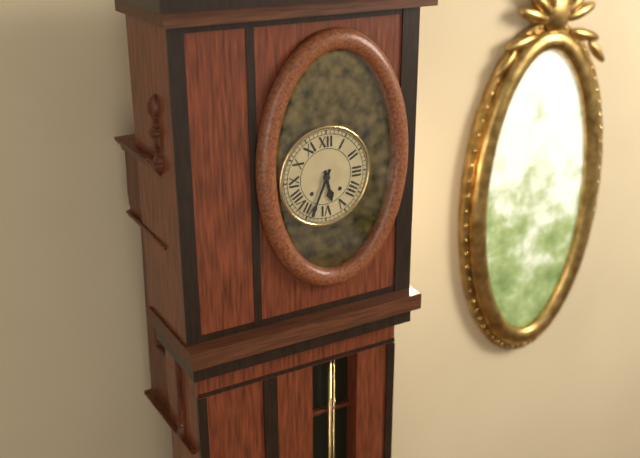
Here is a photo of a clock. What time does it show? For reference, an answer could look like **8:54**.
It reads **5:34**
